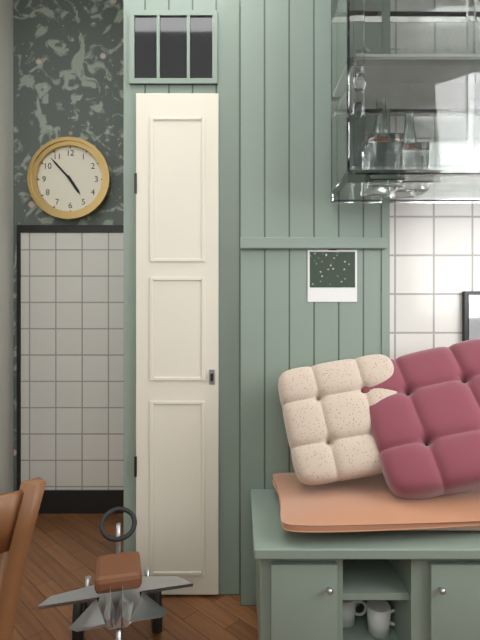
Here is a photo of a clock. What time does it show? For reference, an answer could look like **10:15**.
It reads **4:53**
